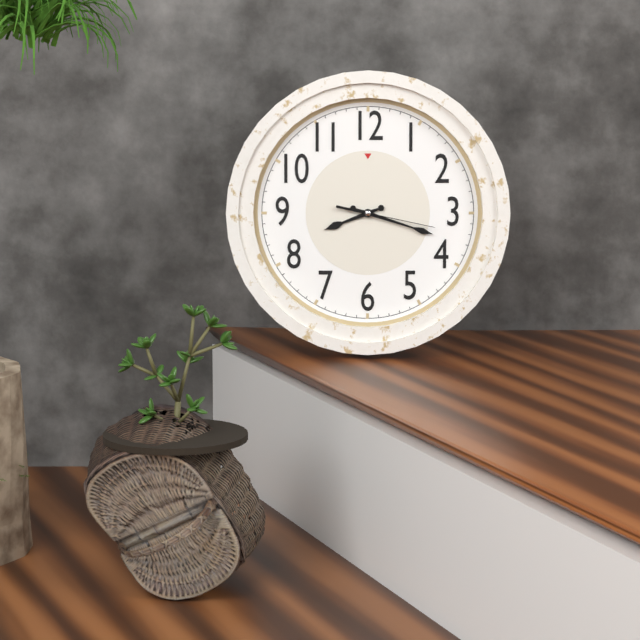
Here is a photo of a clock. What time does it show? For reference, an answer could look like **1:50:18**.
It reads **8:18:17**
